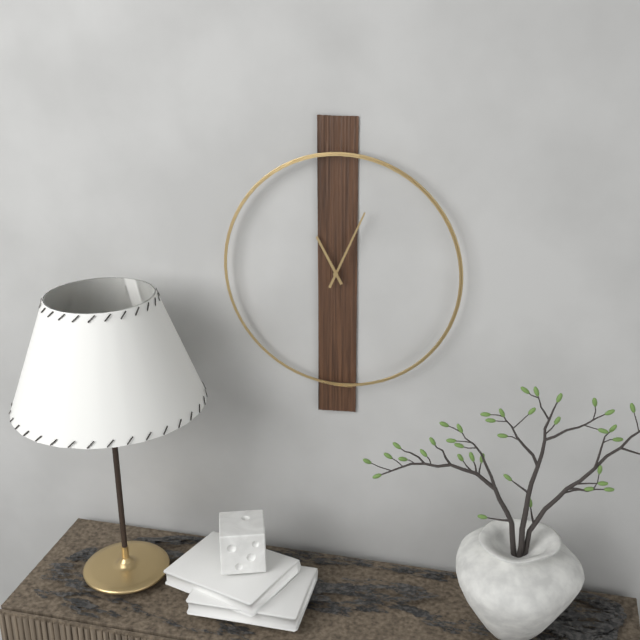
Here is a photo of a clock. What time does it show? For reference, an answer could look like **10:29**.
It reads **11:04**
